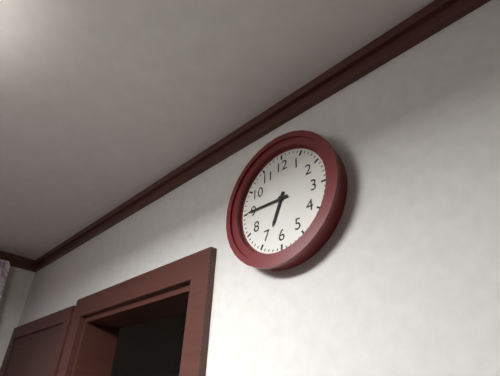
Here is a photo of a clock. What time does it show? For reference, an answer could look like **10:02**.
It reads **6:45**
